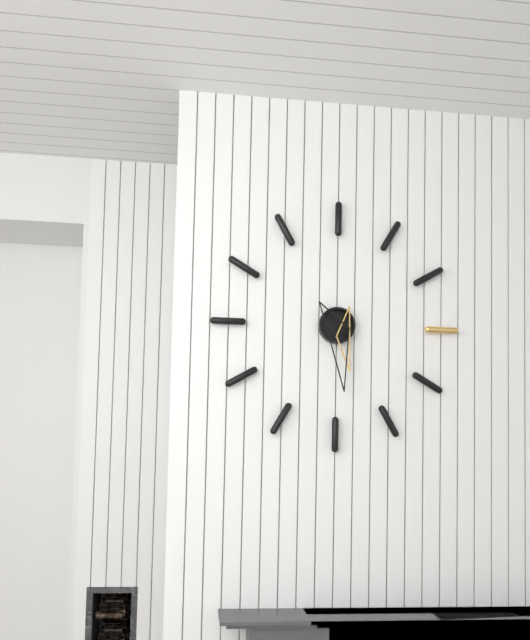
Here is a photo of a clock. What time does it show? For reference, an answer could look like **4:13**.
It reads **5:29**
